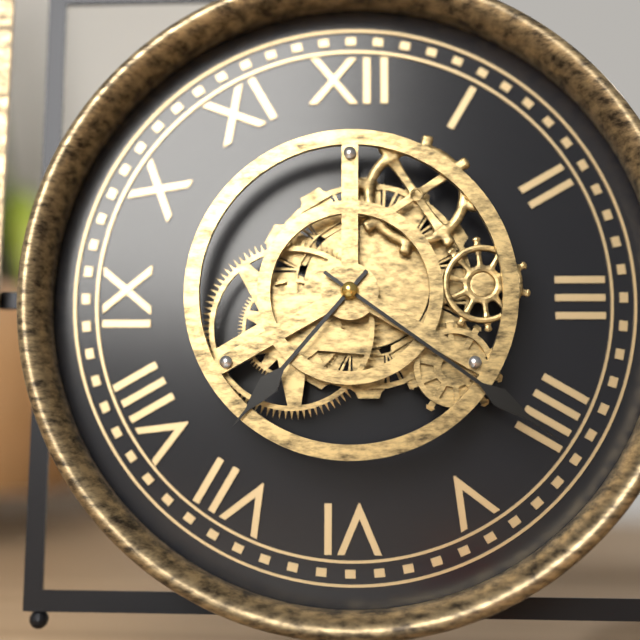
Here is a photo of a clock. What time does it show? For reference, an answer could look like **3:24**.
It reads **7:21**
